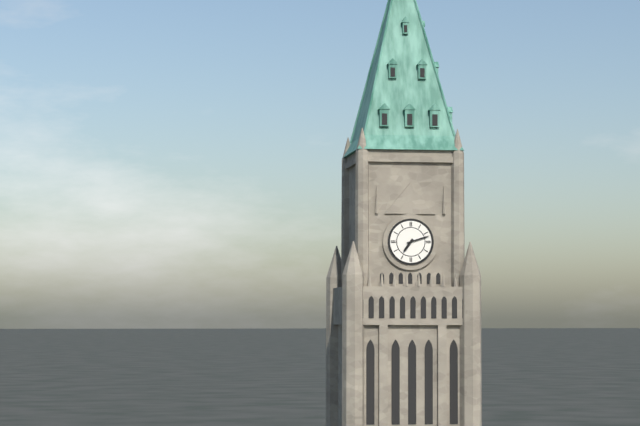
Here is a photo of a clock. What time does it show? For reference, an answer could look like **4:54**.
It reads **7:12**
